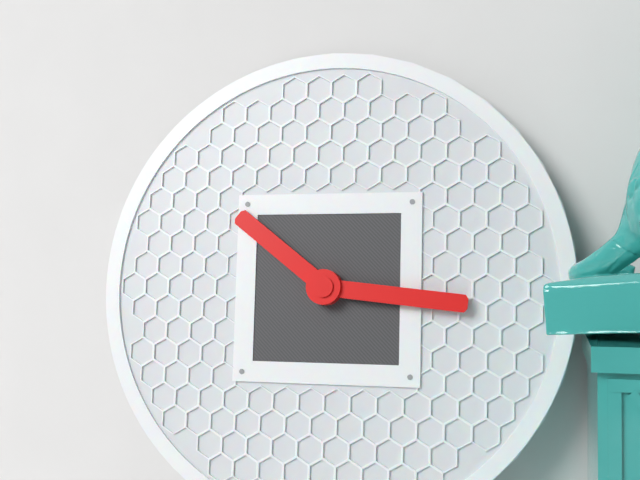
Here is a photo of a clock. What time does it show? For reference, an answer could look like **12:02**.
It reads **10:16**
